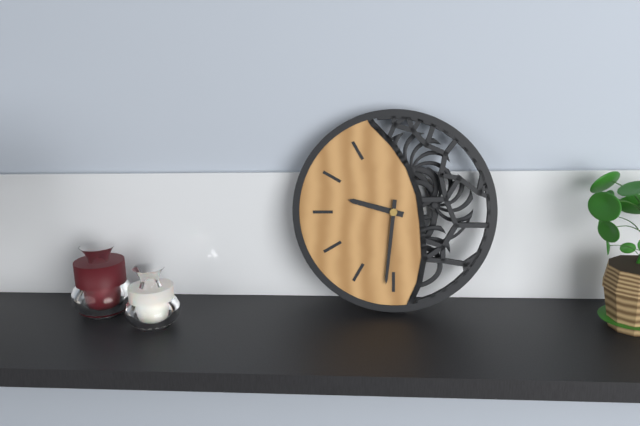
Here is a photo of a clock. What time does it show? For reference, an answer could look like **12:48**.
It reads **9:31**
